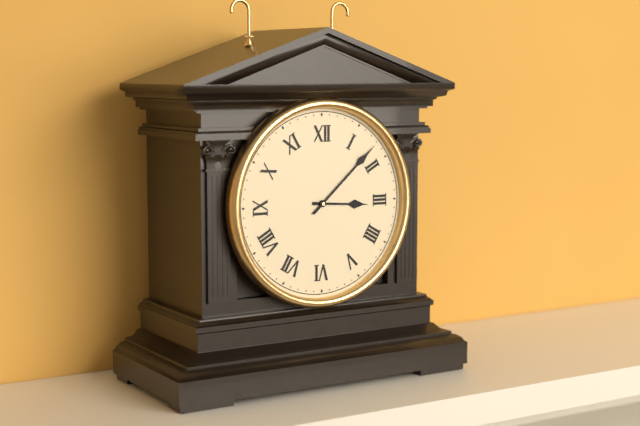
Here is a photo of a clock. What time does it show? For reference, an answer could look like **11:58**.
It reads **3:08**
